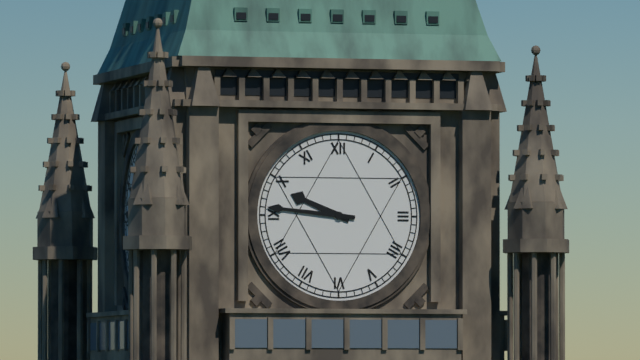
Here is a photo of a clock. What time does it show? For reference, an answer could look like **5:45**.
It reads **9:46**
